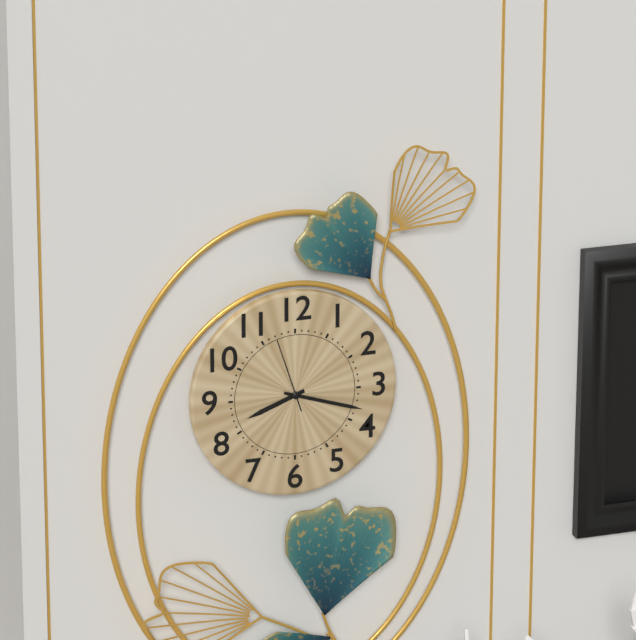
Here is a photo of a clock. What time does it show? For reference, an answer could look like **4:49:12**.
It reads **8:18:57**
